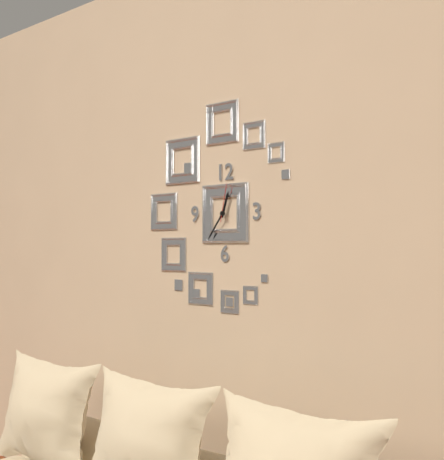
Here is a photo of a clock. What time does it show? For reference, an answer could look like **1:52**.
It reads **12:36**
